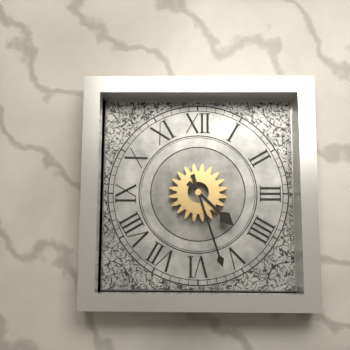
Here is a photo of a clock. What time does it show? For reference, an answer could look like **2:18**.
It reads **4:27**
